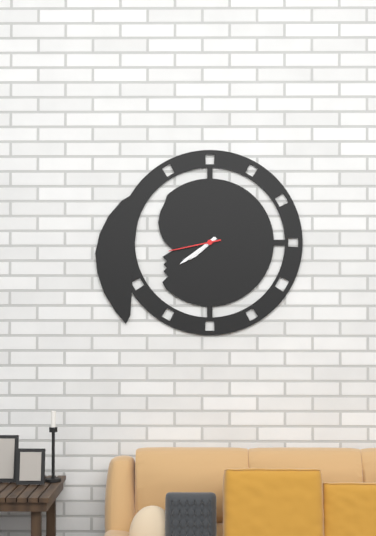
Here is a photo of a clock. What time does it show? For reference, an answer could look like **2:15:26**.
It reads **7:39:43**
